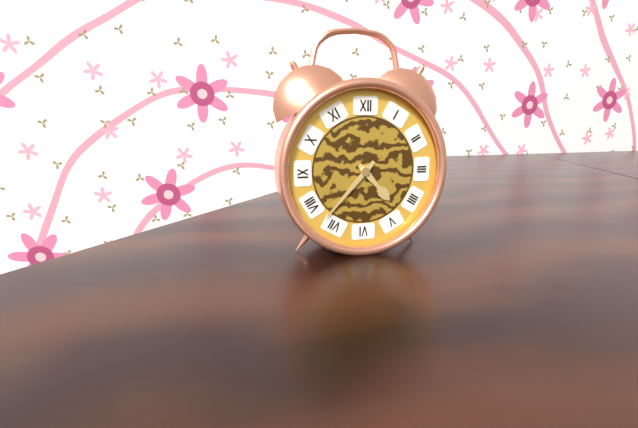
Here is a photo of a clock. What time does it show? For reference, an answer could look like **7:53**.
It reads **4:37**
